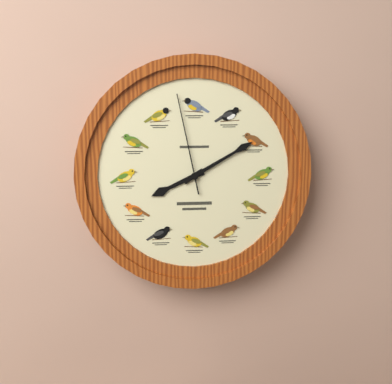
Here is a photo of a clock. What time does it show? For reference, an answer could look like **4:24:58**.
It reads **8:10:58**
